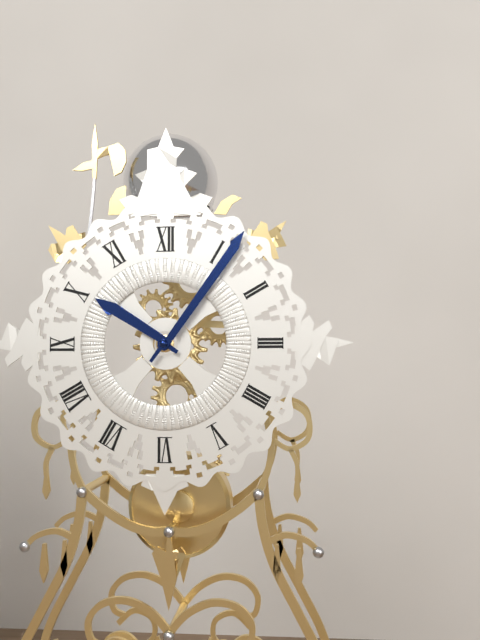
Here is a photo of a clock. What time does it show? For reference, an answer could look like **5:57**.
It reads **10:06**
